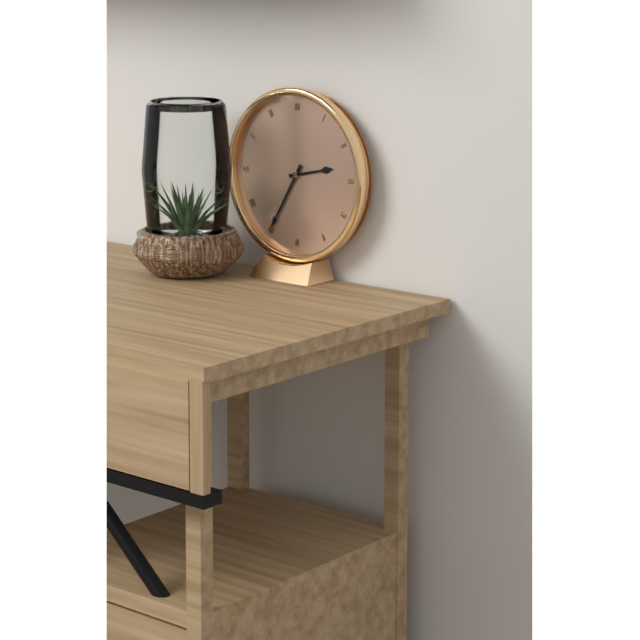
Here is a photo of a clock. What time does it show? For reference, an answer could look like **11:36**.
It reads **2:35**
